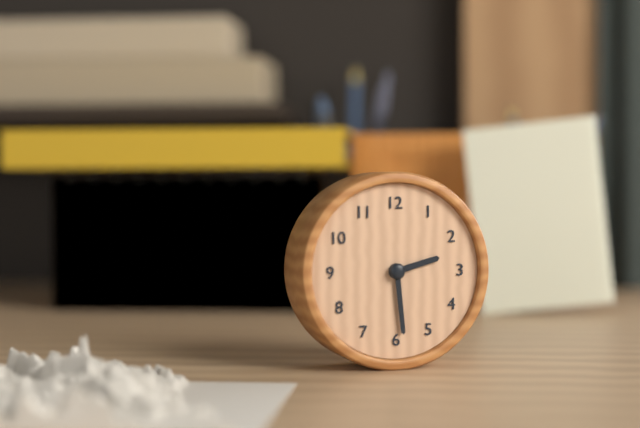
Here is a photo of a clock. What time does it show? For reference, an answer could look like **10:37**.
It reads **2:29**
